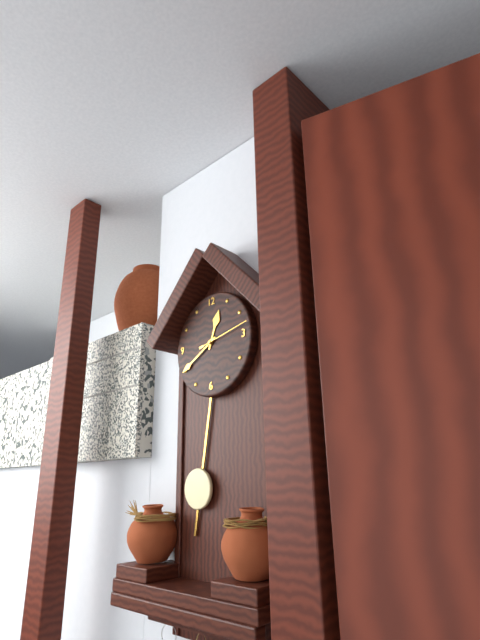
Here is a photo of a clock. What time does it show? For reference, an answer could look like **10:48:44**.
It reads **12:40:13**
